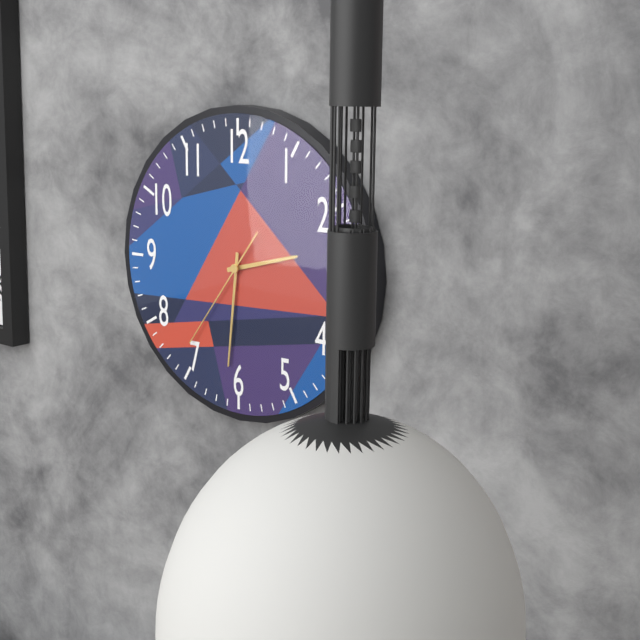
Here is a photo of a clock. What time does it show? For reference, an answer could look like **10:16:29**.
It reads **2:31:36**
